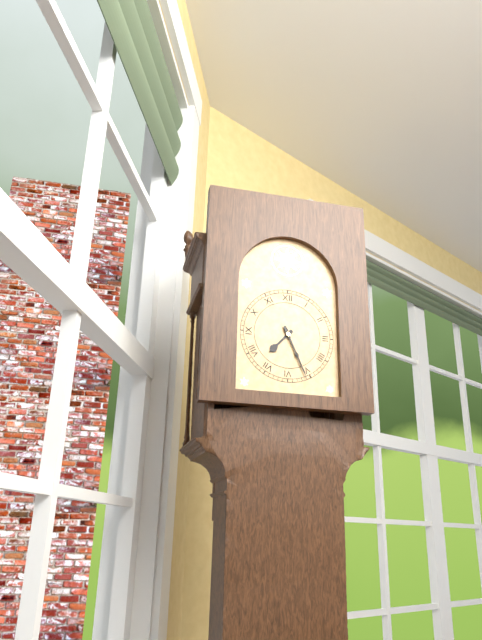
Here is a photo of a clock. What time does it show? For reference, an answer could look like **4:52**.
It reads **7:26**
